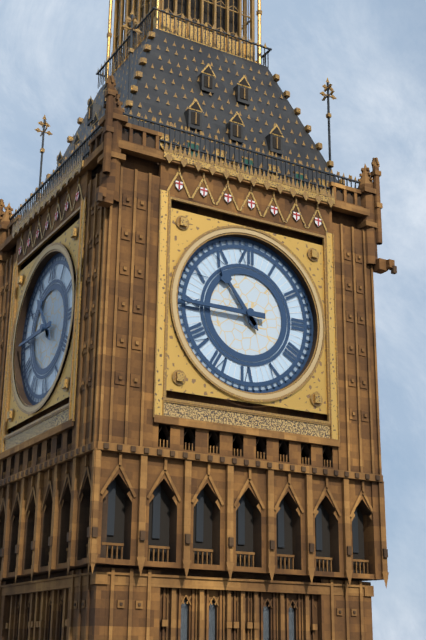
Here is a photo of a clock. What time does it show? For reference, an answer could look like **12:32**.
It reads **10:45**
